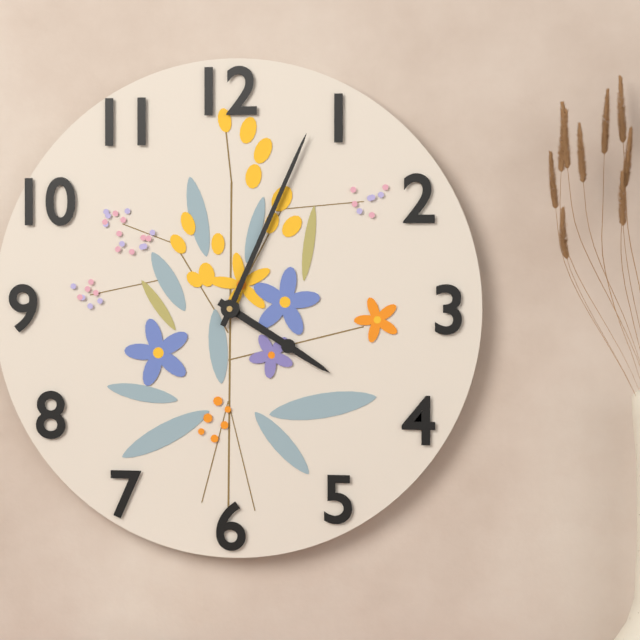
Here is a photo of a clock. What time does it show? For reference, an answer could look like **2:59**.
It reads **4:04**
